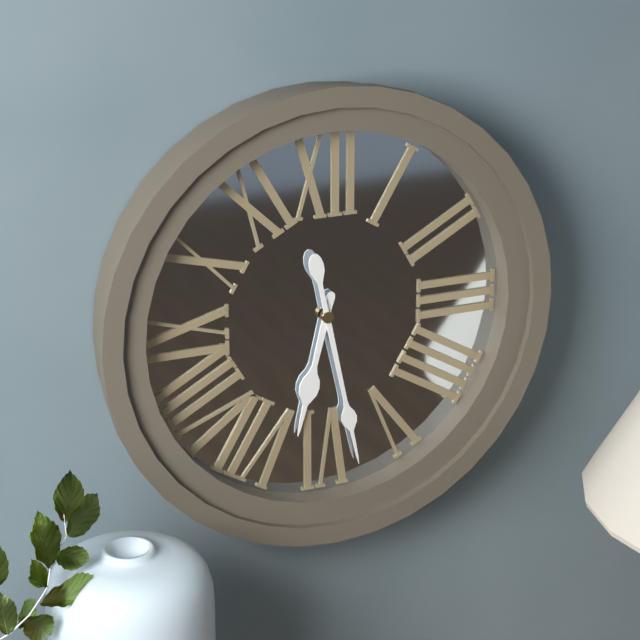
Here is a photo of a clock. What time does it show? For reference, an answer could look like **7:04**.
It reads **6:28**
